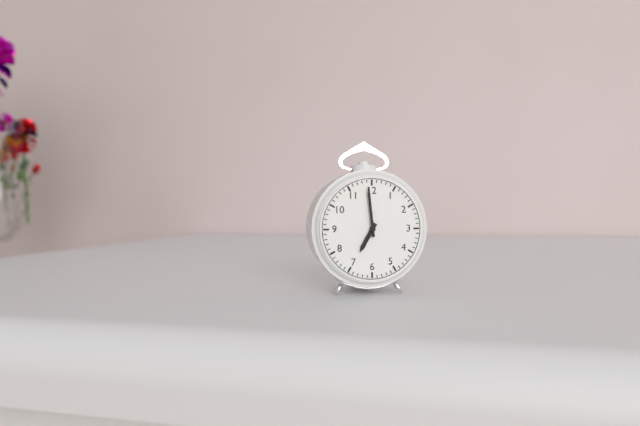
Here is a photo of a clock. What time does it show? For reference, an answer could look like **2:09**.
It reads **6:59**
